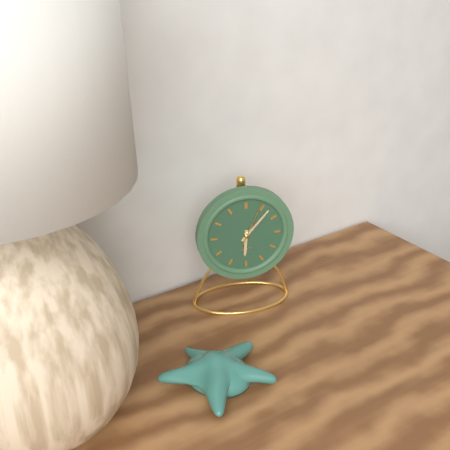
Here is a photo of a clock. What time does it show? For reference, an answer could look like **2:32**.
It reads **6:07**
